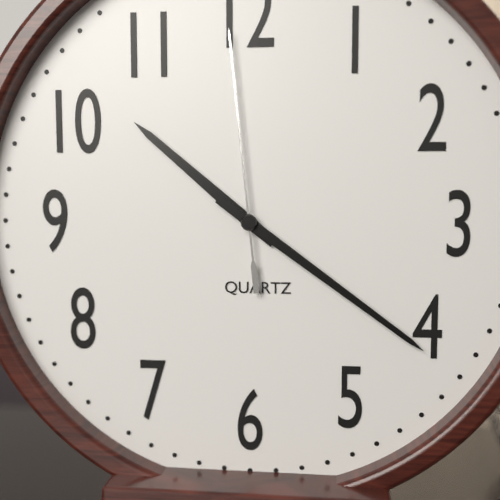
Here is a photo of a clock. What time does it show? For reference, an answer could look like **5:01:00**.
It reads **10:21:59**
